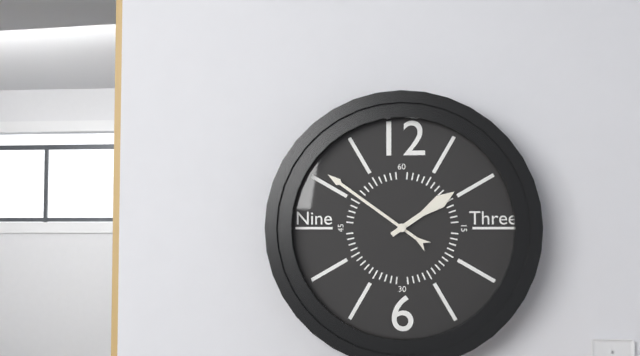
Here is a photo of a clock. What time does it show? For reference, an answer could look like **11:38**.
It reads **1:51**
